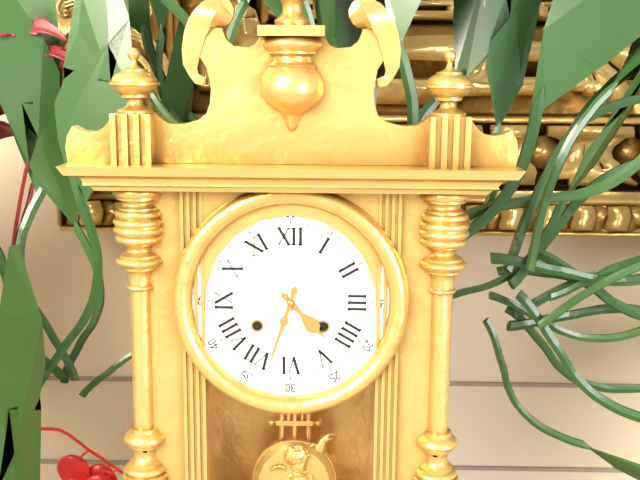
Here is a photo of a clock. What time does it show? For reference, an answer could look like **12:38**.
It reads **4:33**
